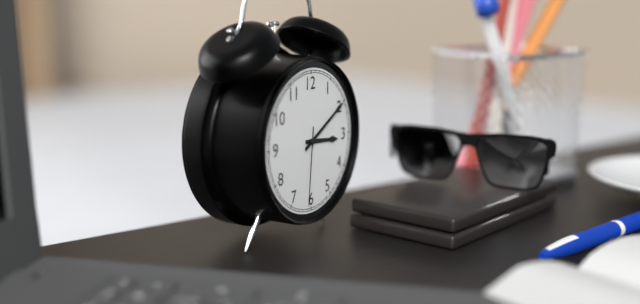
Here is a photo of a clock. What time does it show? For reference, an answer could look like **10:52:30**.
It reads **3:10:31**
